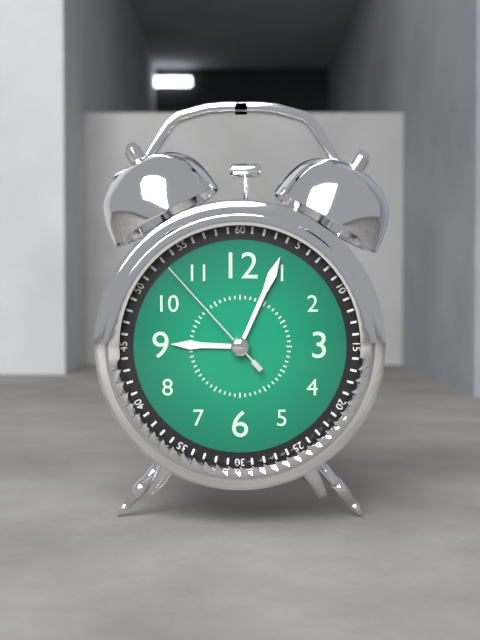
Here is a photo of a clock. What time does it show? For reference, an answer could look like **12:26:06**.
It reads **9:04:53**
